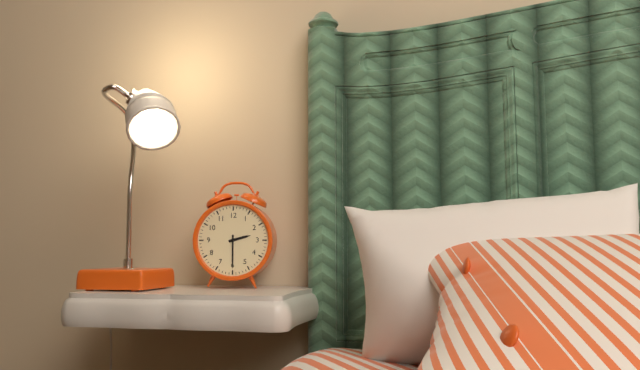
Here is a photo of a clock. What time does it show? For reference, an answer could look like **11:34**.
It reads **2:30**
